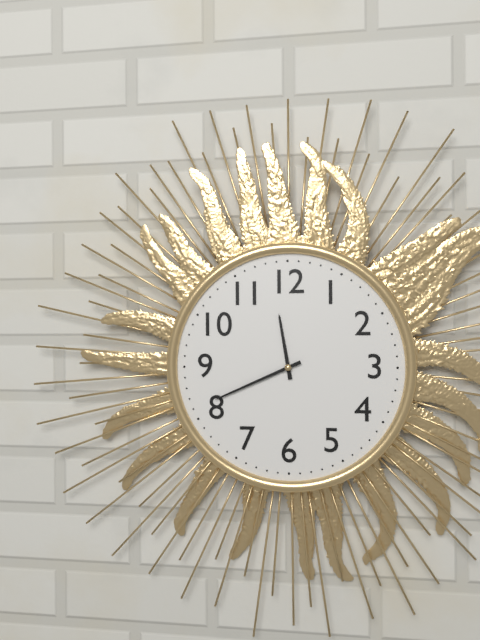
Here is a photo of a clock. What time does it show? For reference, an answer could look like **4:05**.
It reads **11:41**
